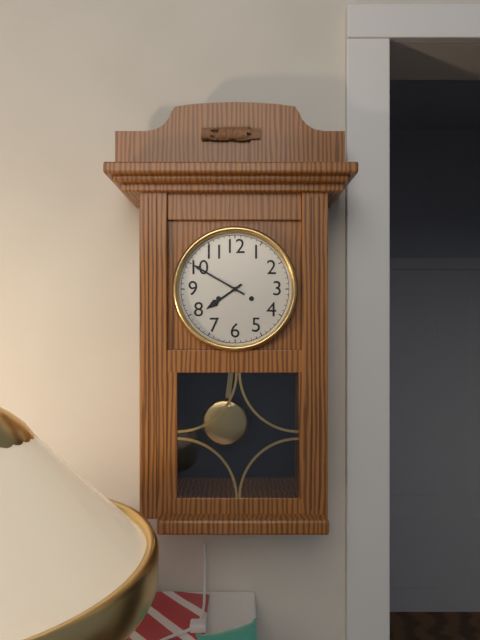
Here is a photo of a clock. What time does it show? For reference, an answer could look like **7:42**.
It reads **7:50**
